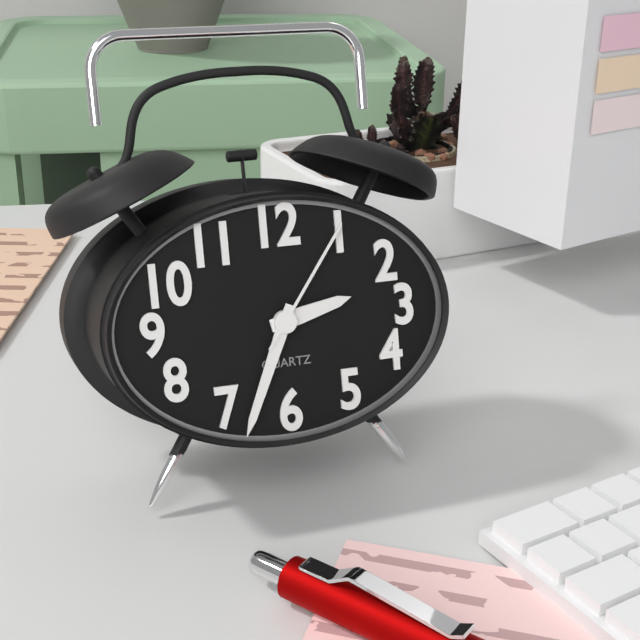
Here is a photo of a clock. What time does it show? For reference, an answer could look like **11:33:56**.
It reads **2:34:06**
